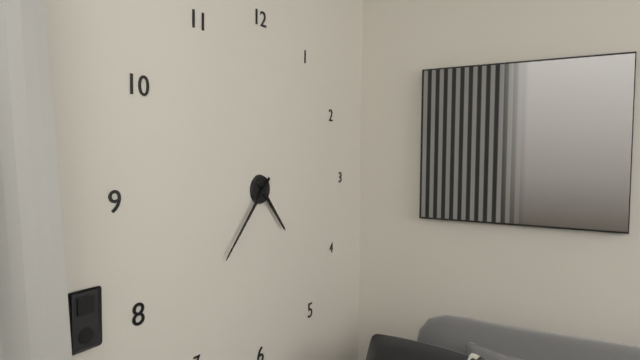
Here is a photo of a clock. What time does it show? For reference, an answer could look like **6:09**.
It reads **4:37**
